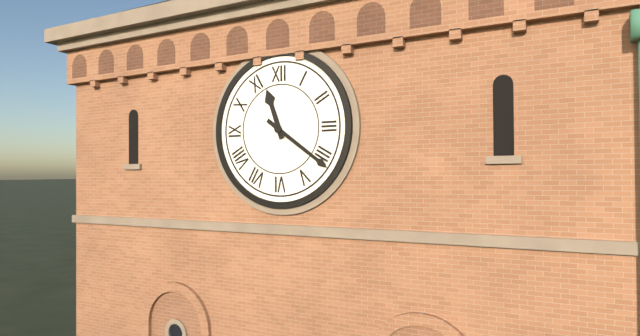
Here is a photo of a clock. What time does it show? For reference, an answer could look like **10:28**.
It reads **11:21**
